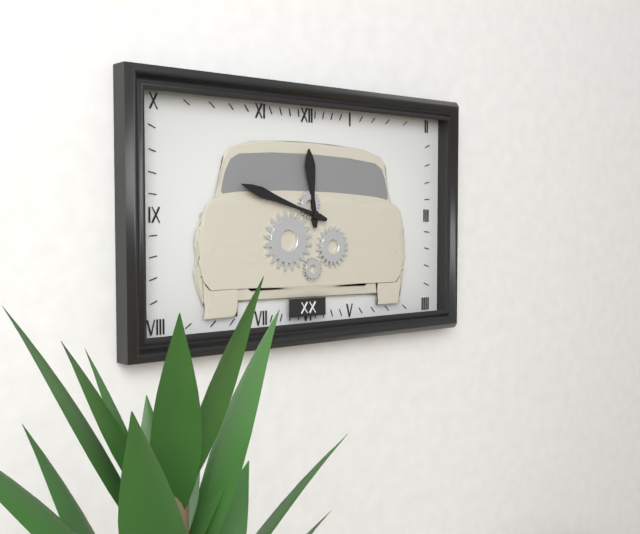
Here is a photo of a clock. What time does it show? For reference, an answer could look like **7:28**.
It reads **11:48**
